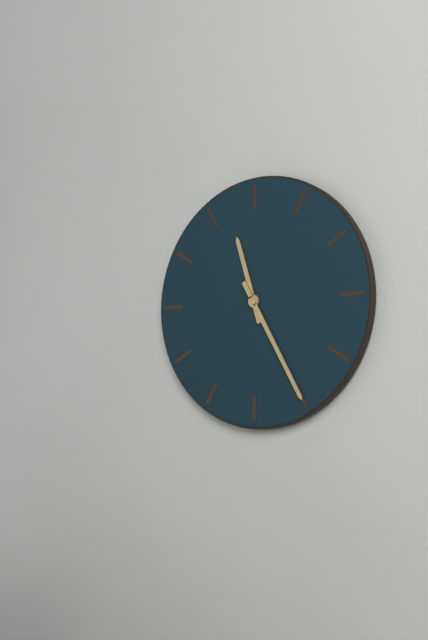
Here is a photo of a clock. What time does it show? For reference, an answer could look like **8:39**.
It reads **11:25**
